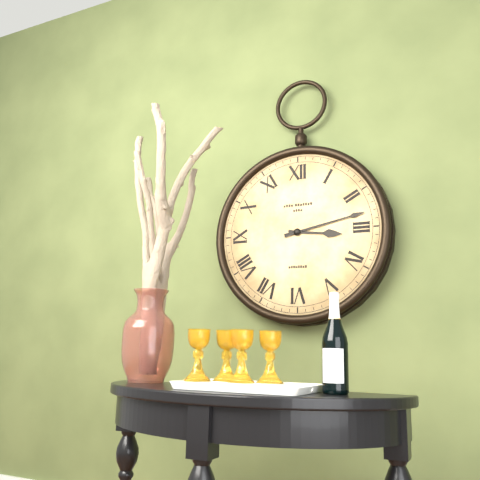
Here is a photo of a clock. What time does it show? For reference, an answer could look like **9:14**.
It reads **3:13**
